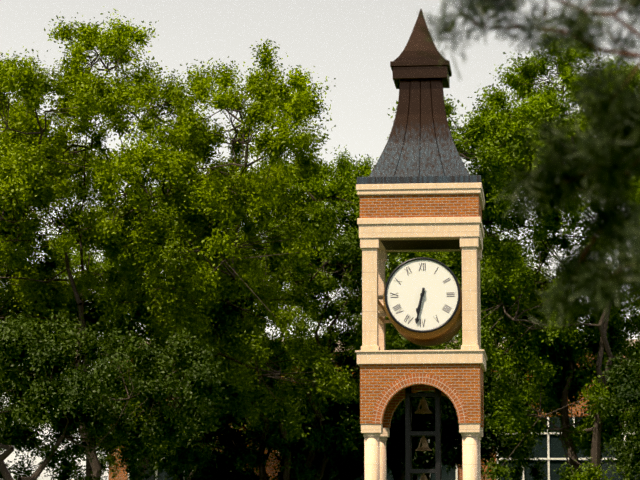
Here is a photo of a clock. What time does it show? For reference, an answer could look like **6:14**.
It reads **6:32**
